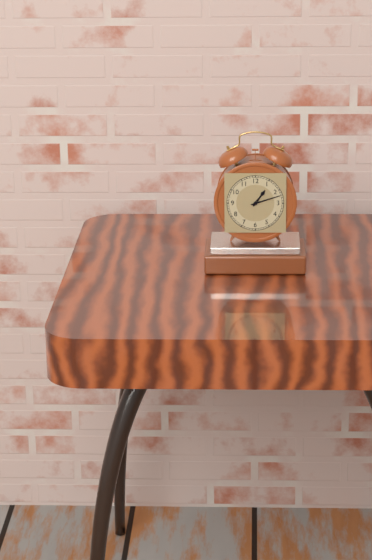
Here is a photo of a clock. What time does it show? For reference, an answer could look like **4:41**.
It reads **1:12**
